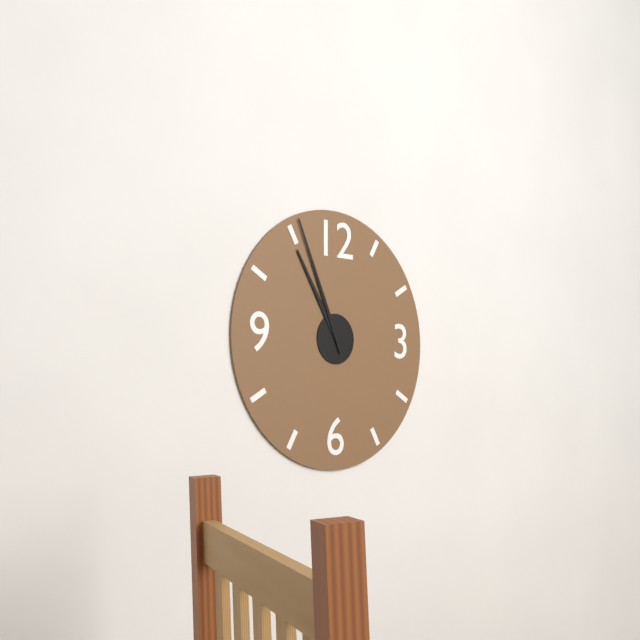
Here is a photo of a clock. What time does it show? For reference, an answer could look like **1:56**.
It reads **10:56**
